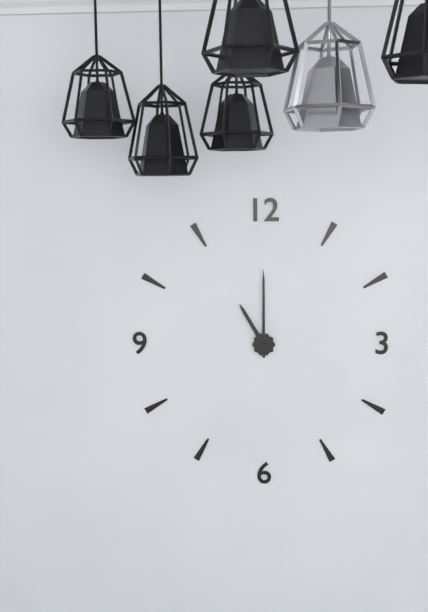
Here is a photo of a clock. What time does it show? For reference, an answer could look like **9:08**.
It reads **11:00**
